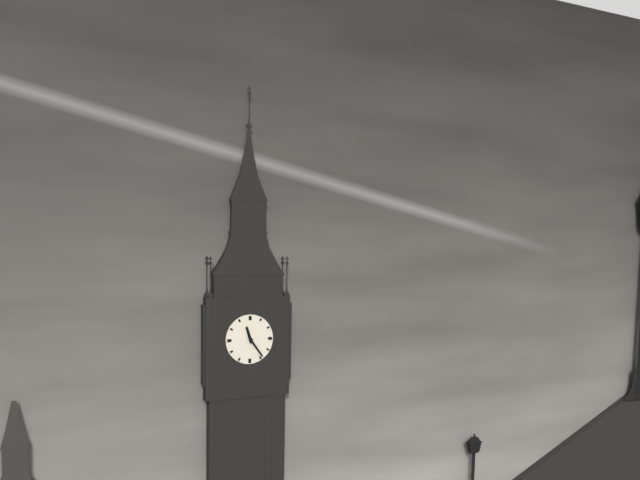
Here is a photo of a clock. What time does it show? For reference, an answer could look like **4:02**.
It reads **11:24**
